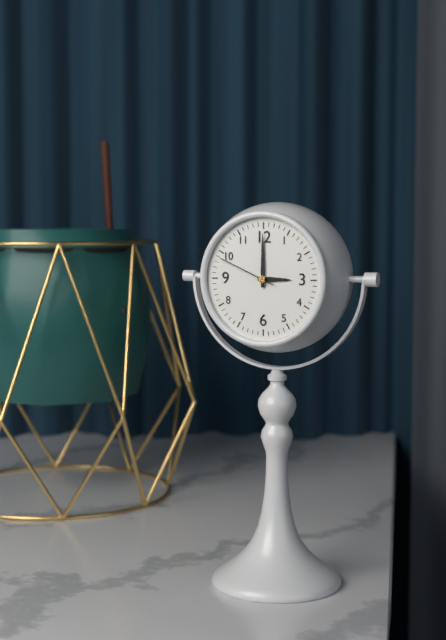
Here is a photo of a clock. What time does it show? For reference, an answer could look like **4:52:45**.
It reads **3:00:49**
